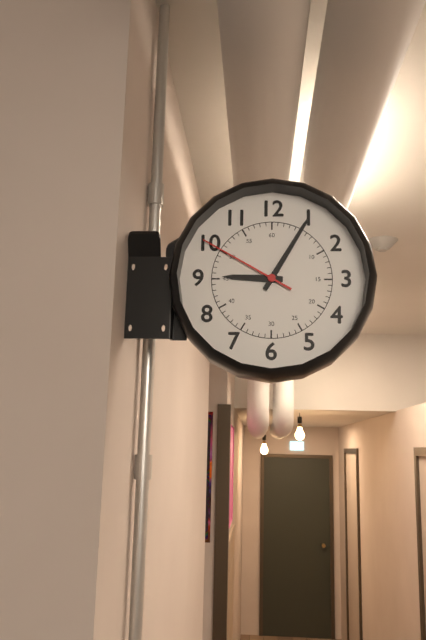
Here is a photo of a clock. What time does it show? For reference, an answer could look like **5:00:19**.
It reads **9:05:50**
